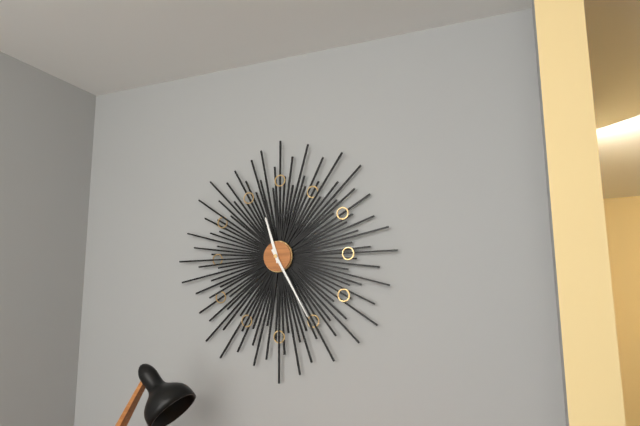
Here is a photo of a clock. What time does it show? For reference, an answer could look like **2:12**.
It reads **11:25**
